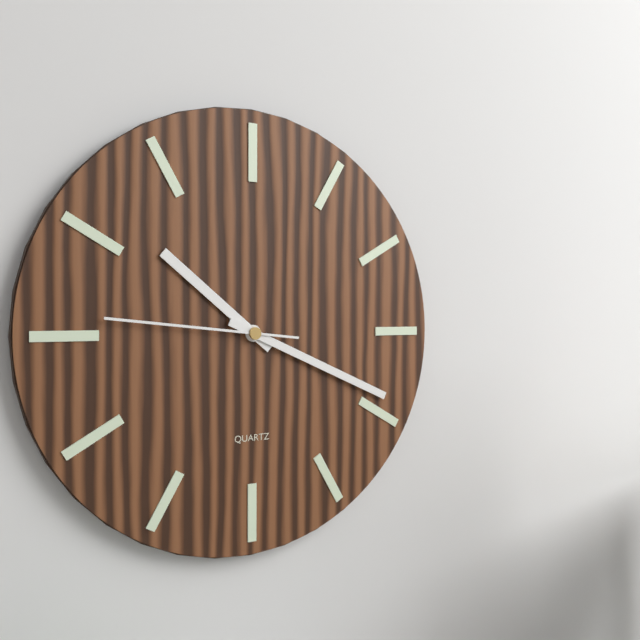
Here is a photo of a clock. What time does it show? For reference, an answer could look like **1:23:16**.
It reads **10:19:46**
